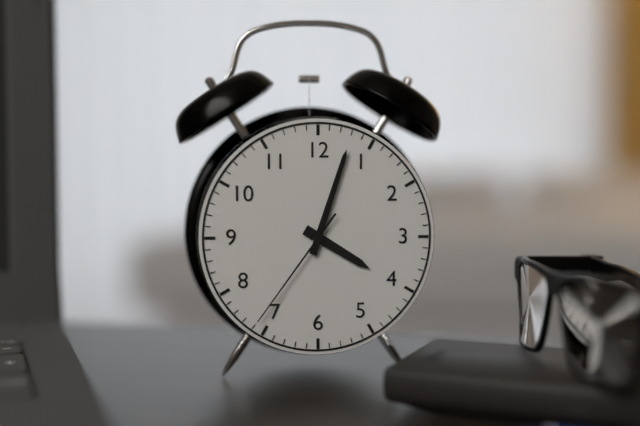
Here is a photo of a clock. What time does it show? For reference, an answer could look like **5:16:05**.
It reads **4:03:36**
